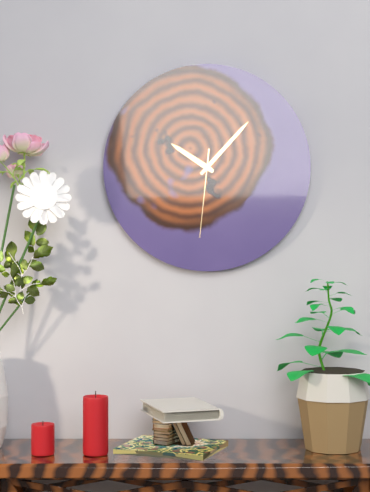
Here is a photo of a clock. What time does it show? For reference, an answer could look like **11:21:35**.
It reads **10:07:31**
